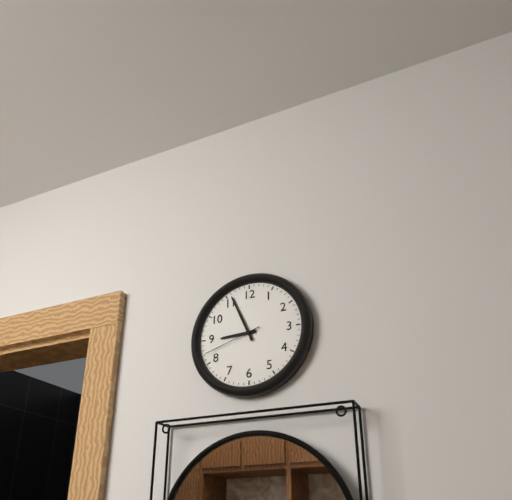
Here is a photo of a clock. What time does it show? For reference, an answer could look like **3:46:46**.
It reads **8:56:42**
